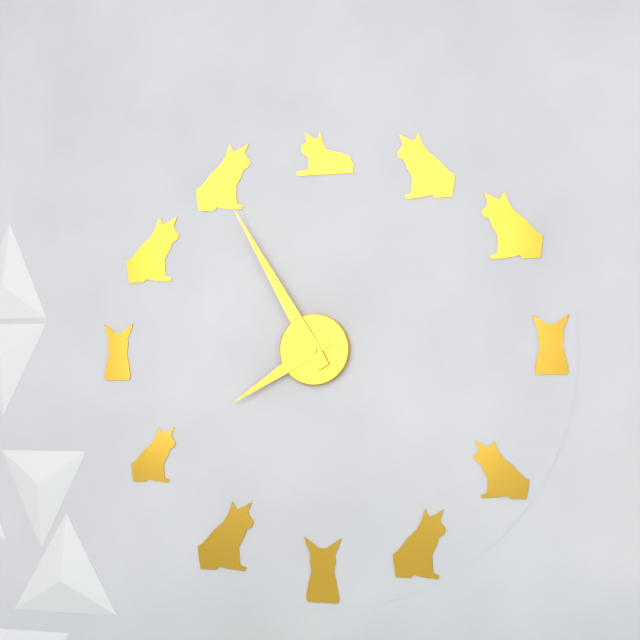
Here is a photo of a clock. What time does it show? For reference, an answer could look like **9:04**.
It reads **7:55**
